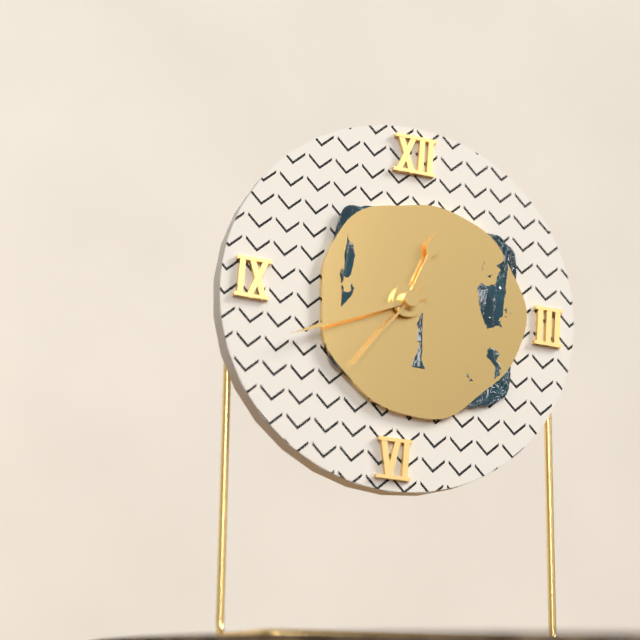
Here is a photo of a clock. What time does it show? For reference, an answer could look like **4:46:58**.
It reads **12:41:36**
